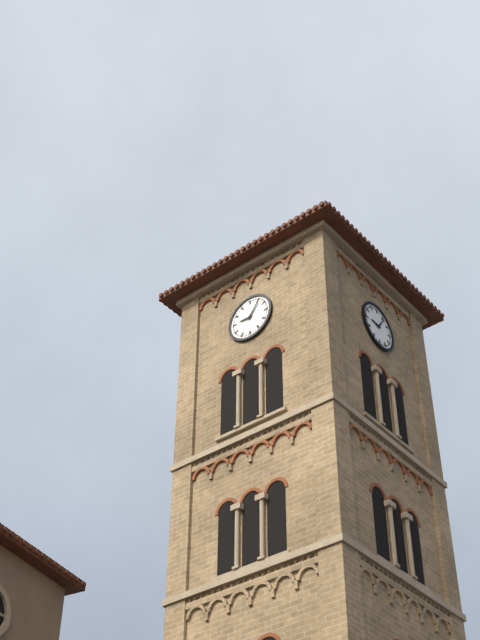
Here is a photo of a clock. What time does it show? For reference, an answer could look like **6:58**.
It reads **9:06**
